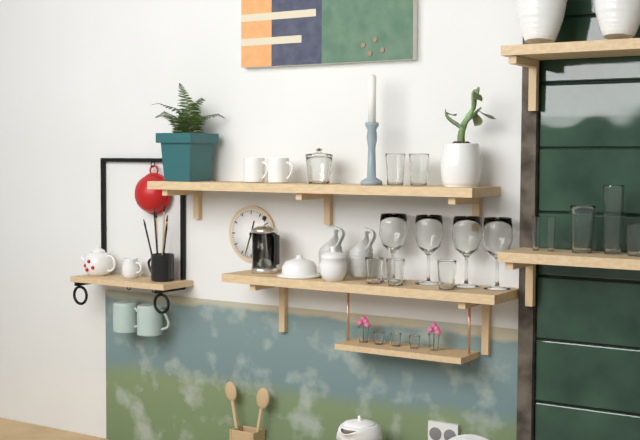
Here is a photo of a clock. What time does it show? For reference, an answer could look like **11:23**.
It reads **12:33**
